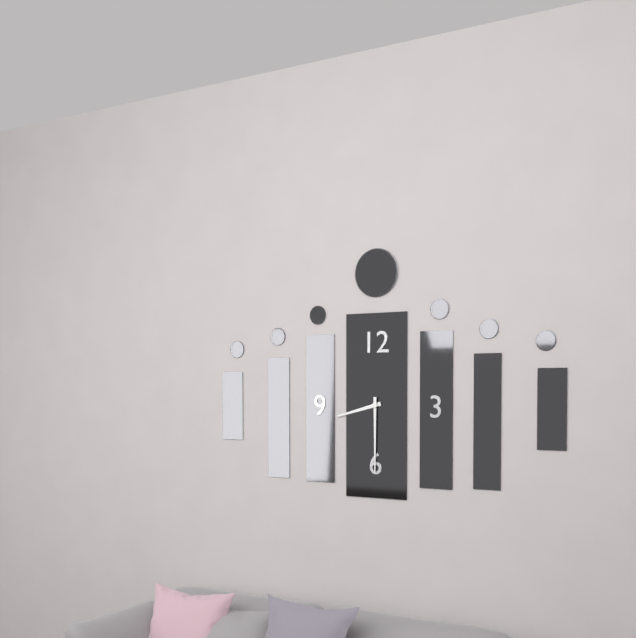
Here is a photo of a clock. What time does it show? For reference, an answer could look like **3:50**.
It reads **8:30**
